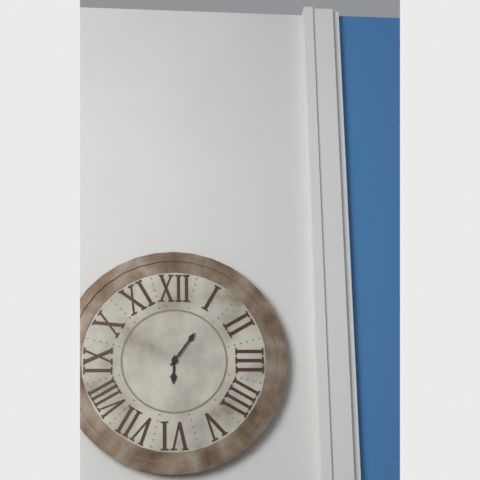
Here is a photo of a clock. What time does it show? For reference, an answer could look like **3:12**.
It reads **6:06**
